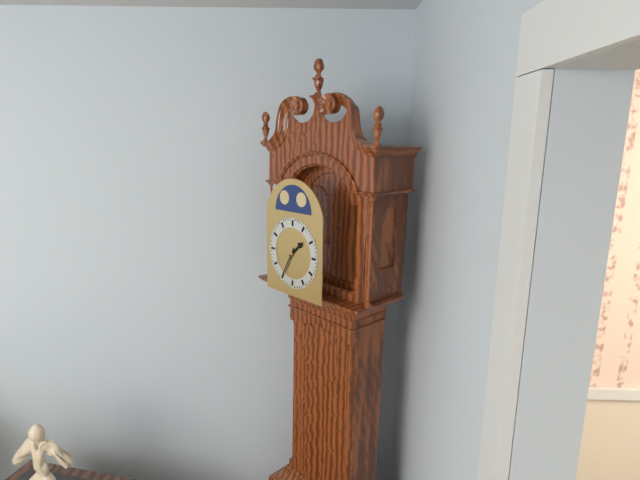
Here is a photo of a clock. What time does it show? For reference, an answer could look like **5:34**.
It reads **1:35**
